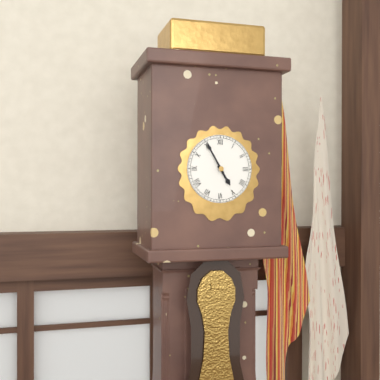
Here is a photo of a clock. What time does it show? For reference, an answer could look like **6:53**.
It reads **4:55**
